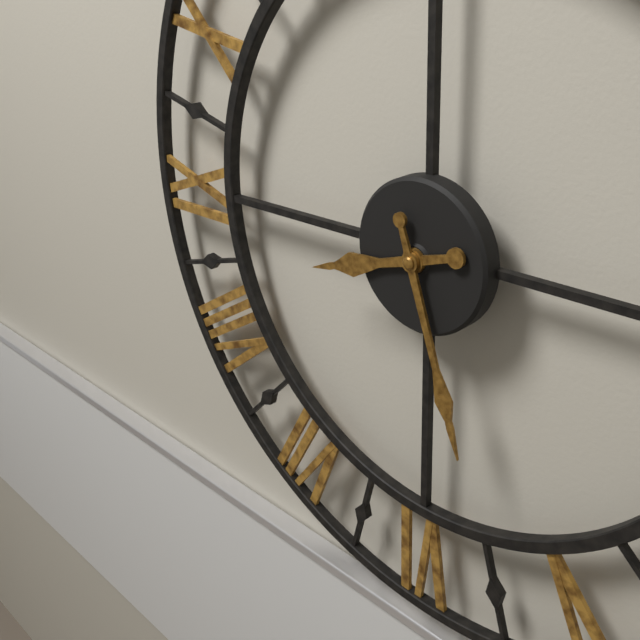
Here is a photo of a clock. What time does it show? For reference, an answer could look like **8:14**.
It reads **8:27**
